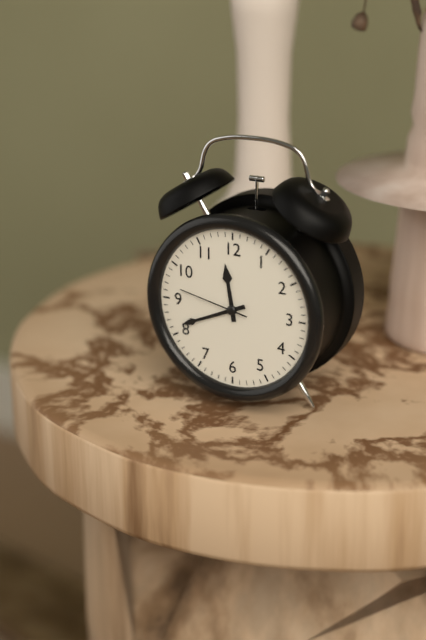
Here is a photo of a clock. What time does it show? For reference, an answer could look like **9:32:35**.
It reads **11:41:47**
